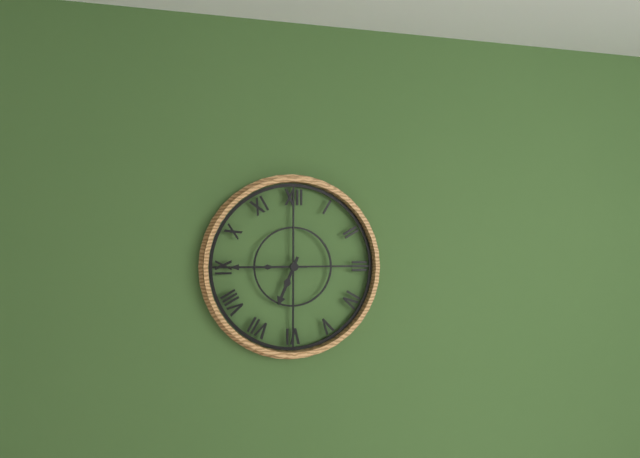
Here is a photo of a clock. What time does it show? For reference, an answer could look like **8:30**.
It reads **6:45**
